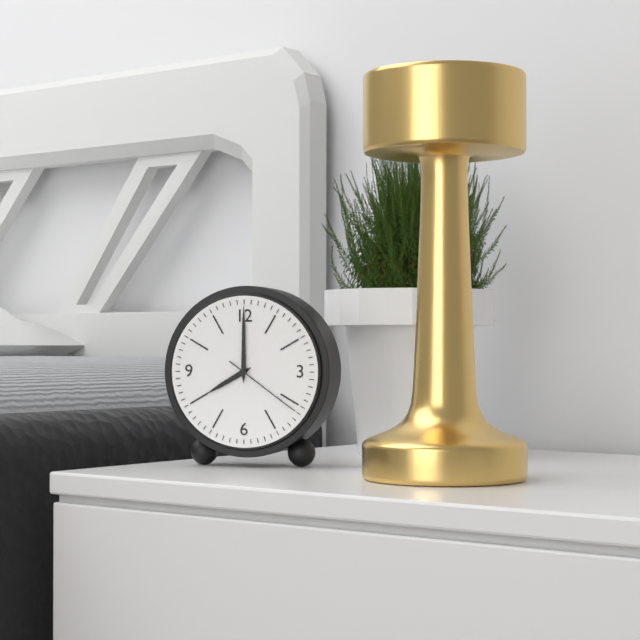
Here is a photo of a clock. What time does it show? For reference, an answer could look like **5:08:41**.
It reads **8:00:21**
